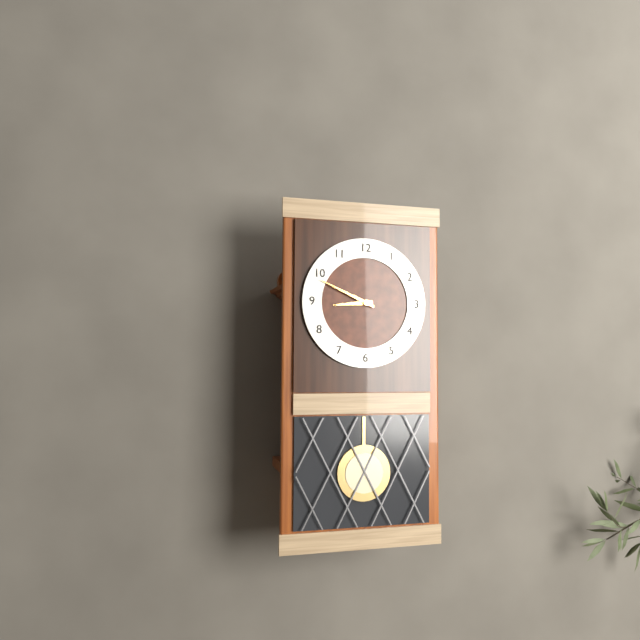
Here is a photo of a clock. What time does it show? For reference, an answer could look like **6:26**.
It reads **8:49**
